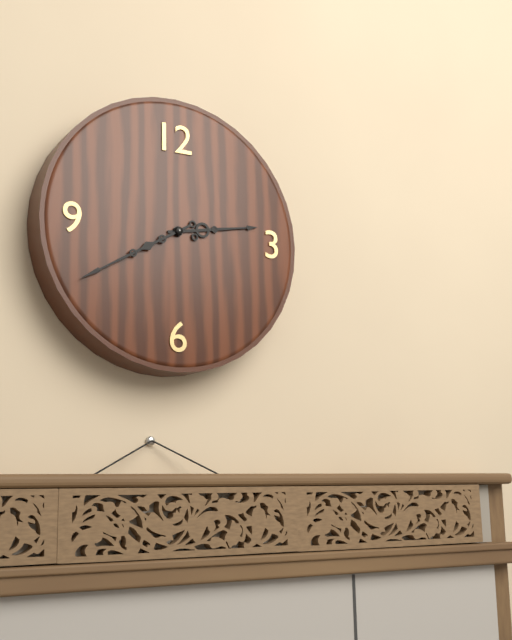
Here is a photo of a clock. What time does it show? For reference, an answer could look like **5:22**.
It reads **2:40**
